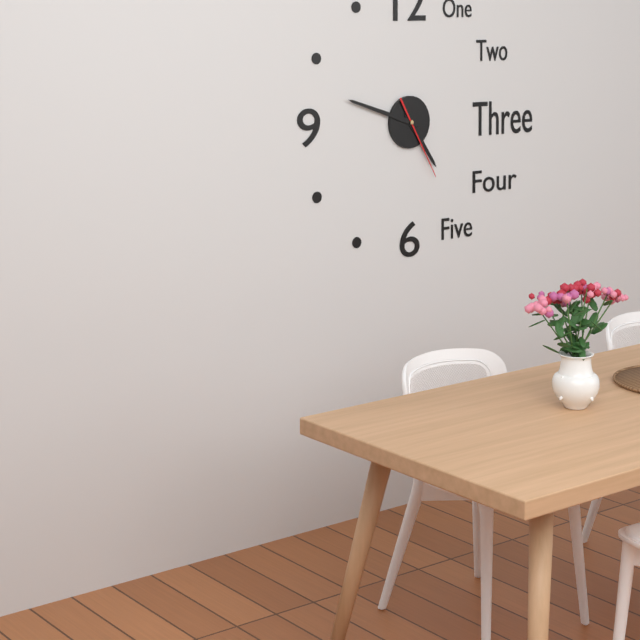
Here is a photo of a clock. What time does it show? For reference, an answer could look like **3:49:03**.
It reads **4:48:25**
